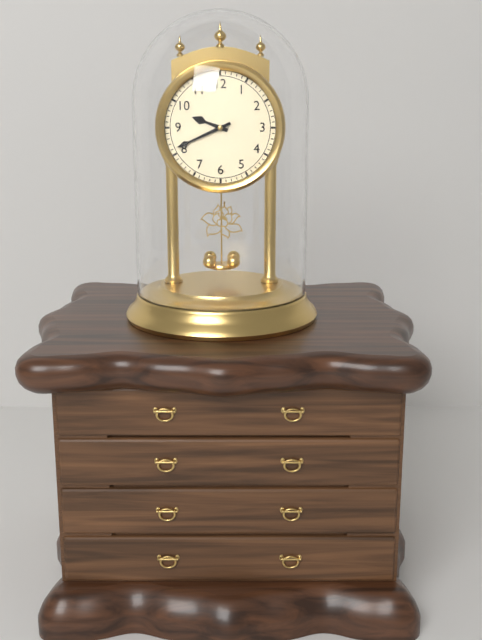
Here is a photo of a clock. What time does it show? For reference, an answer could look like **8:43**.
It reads **9:41**
